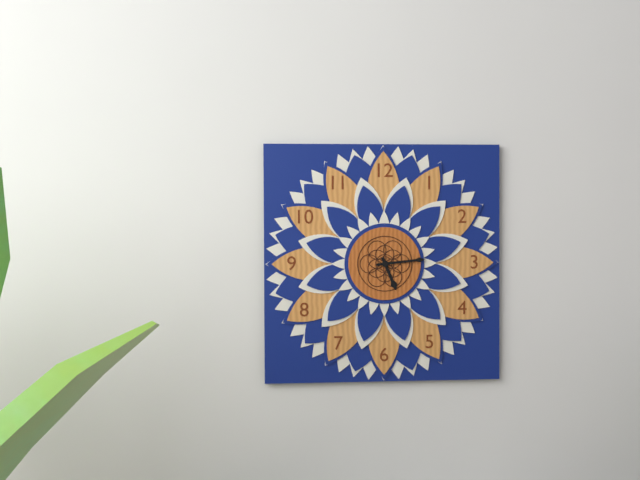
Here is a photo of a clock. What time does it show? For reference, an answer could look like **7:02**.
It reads **5:14**
